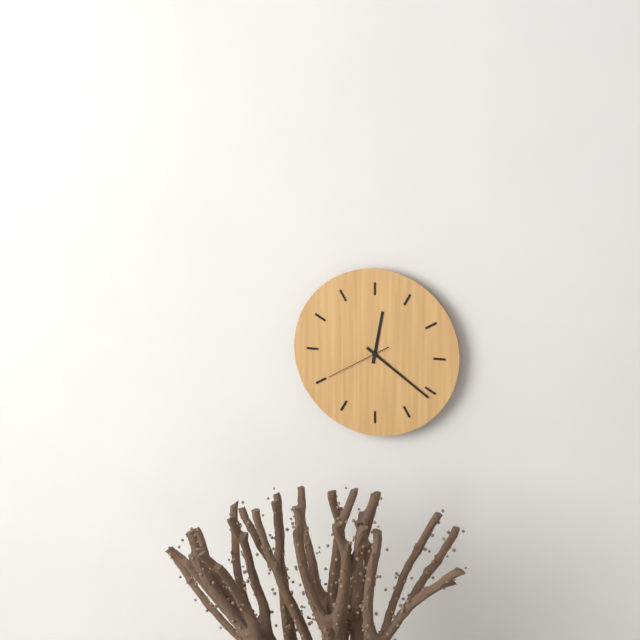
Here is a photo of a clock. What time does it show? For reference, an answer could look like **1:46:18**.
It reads **12:21:40**
